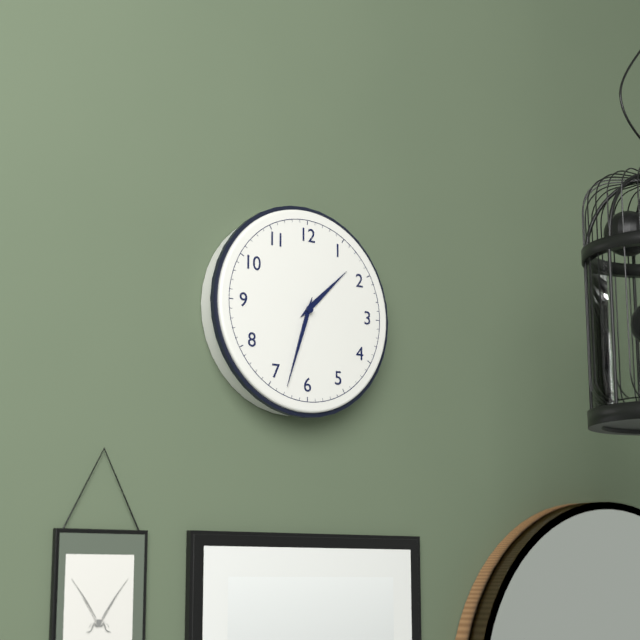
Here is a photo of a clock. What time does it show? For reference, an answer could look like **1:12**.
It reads **1:33**
